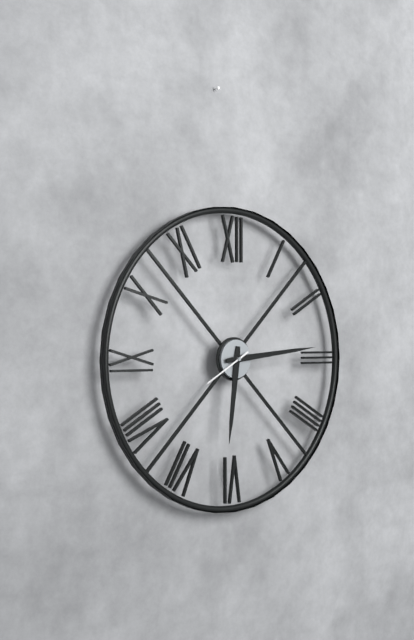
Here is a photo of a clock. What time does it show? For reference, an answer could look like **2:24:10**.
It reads **6:14:40**
